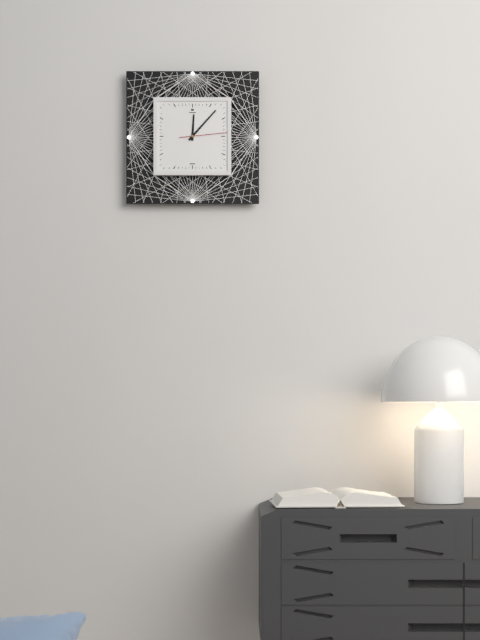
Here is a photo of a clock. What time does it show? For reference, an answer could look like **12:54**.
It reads **12:07**
